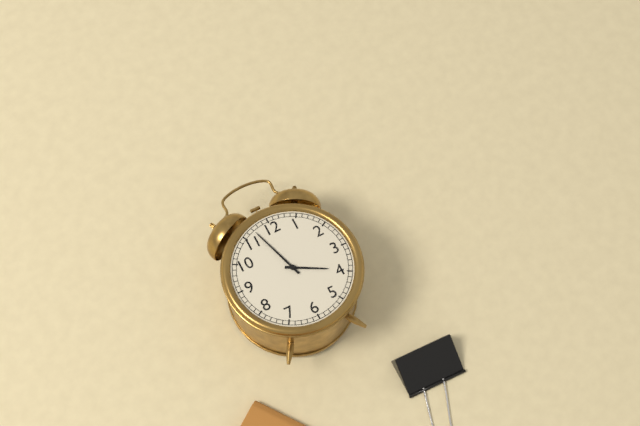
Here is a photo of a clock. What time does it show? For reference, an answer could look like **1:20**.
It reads **3:57**
